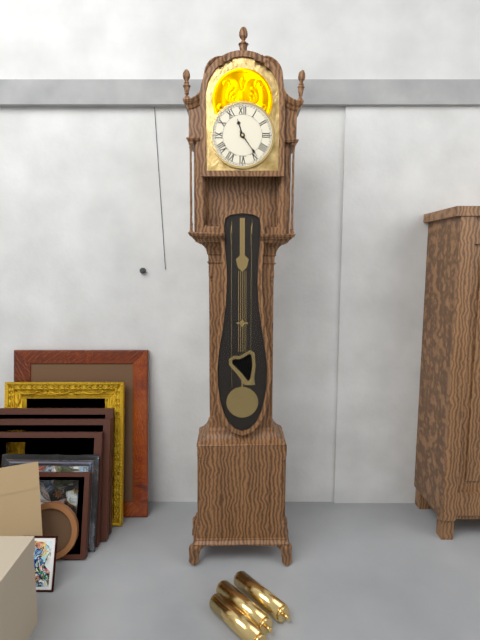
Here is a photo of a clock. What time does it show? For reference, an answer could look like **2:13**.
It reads **11:24**
